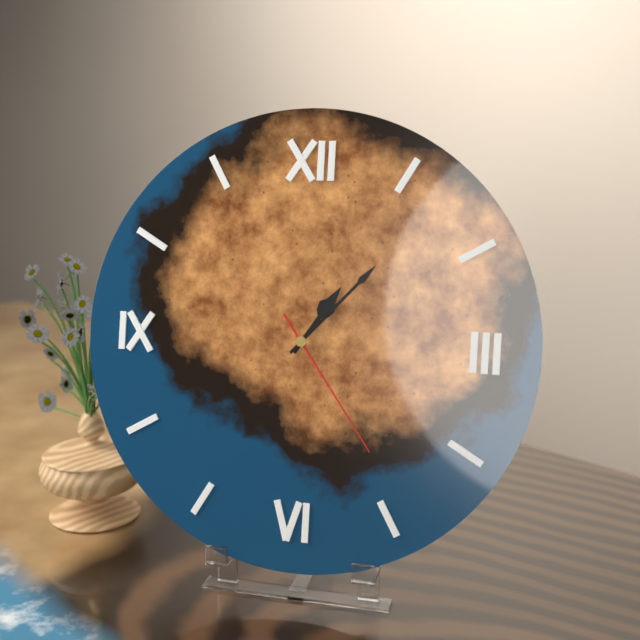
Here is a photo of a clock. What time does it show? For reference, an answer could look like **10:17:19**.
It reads **1:07:24**
